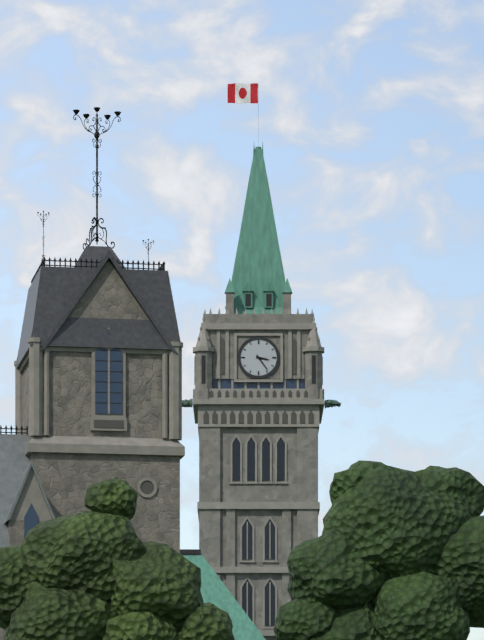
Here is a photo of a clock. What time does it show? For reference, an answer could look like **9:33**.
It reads **3:24**
